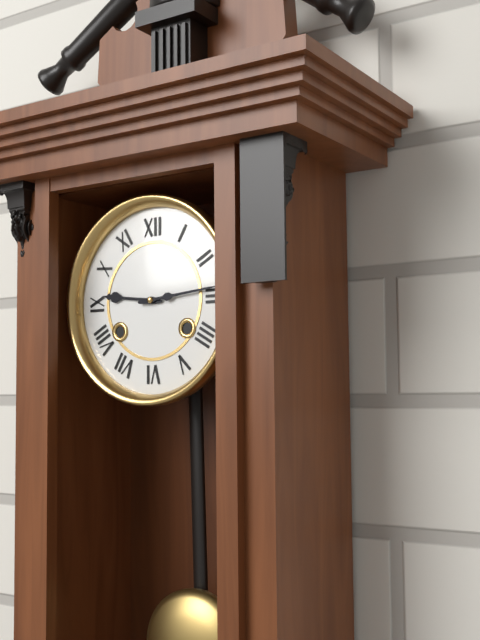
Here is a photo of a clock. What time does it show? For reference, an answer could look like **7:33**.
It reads **9:14**
